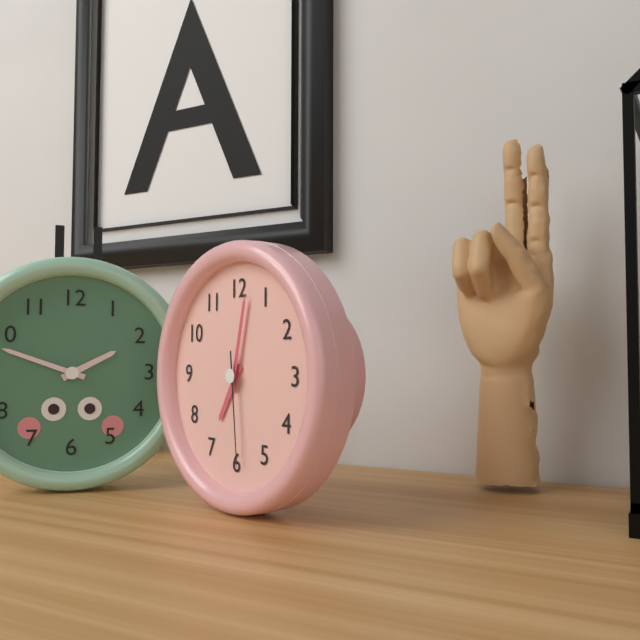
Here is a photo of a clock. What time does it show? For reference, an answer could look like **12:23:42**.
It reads **7:02:29**
